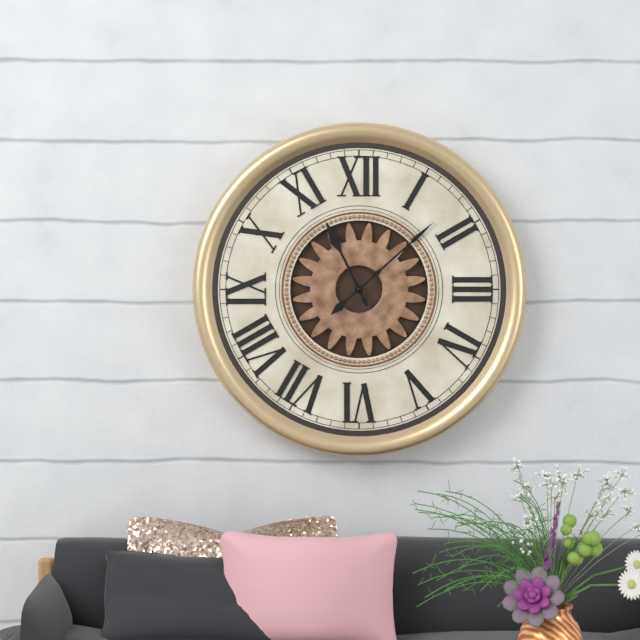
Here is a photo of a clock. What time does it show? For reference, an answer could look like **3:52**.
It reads **11:08**
